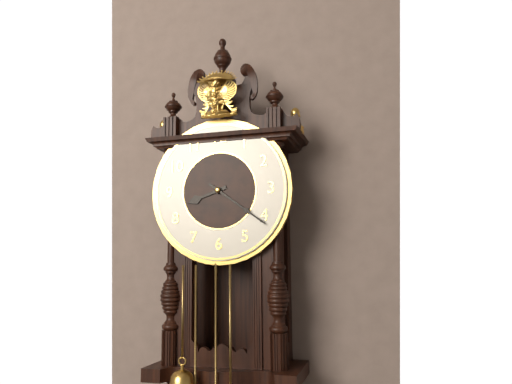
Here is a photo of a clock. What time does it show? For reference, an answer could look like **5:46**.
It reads **8:21**
